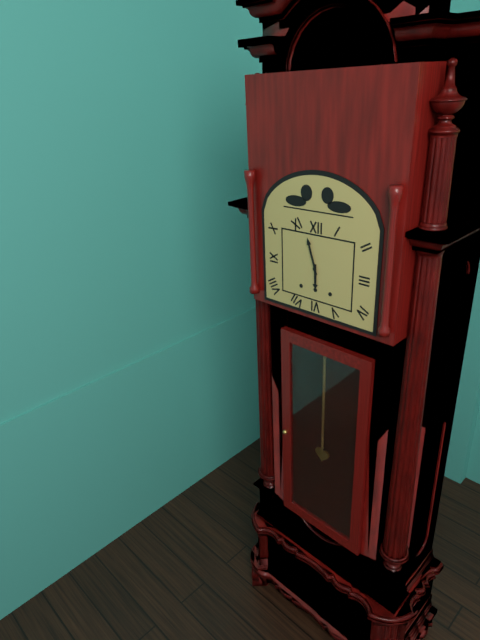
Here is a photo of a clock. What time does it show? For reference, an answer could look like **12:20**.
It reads **5:57**
